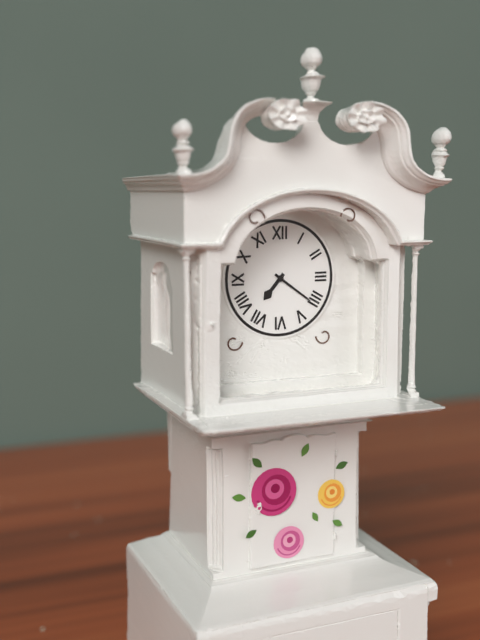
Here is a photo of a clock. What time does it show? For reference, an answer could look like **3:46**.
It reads **7:21**
